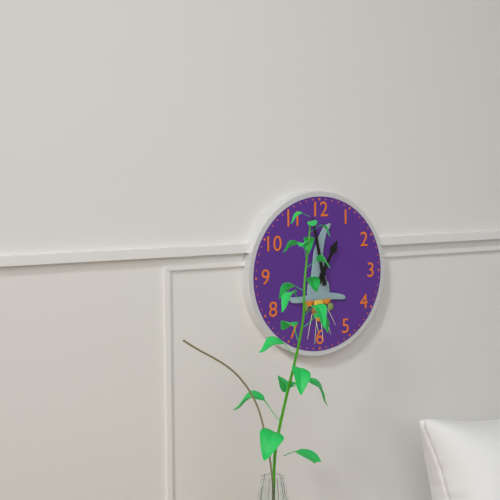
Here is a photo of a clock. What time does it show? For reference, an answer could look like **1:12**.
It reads **12:58**
